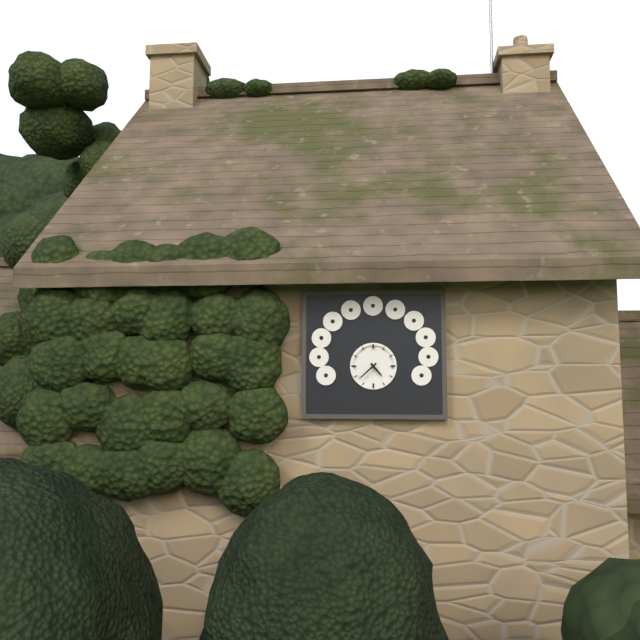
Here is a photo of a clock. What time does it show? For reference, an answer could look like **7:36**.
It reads **4:38**
